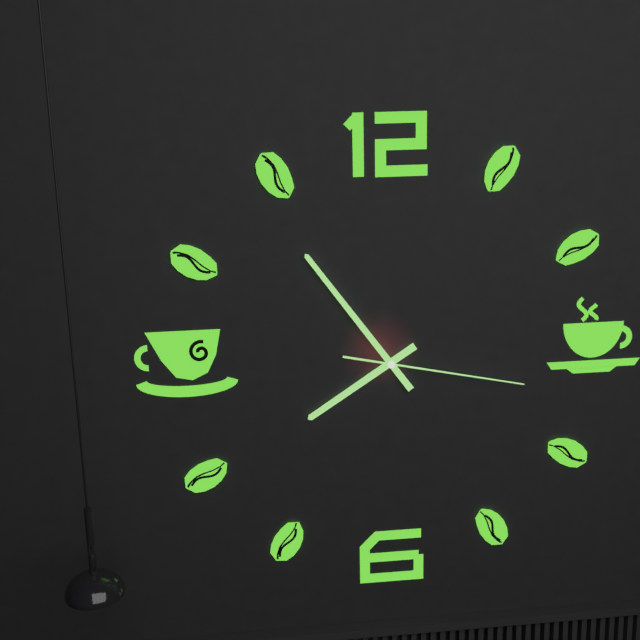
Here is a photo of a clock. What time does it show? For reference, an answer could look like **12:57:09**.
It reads **7:54:17**
